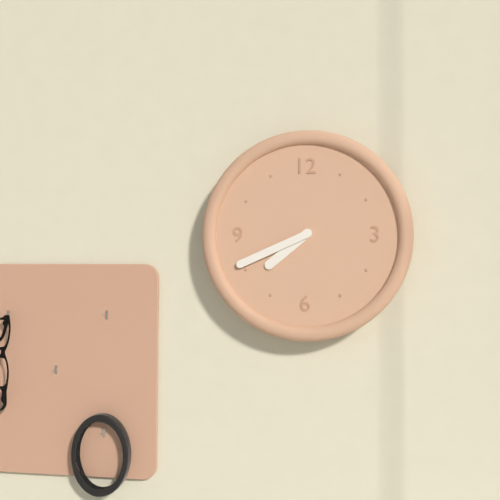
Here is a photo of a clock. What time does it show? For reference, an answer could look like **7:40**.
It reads **7:41**
